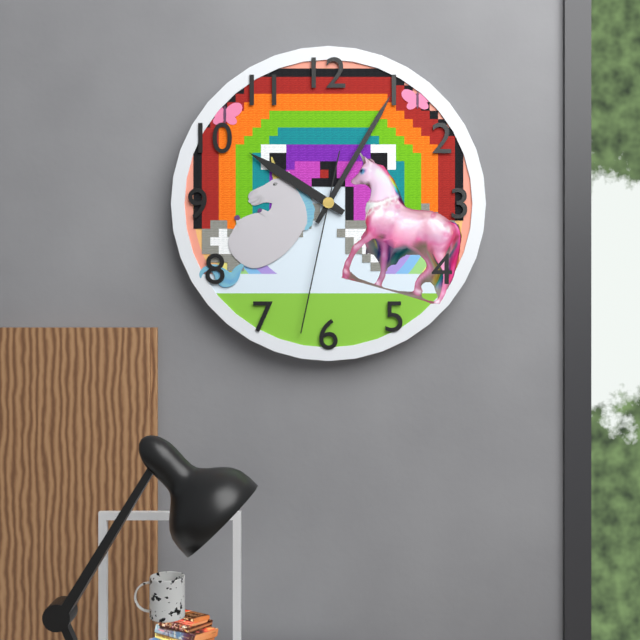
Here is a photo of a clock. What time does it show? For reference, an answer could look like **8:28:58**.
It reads **10:05:32**
